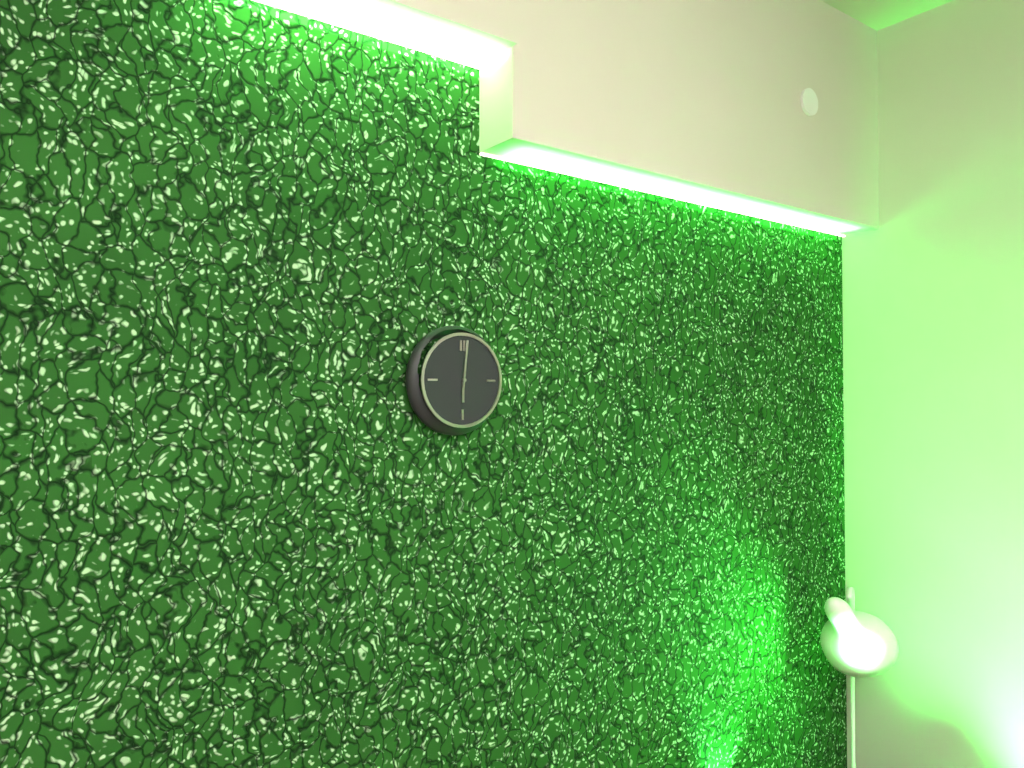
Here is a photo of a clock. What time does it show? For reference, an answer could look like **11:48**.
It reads **6:01**
